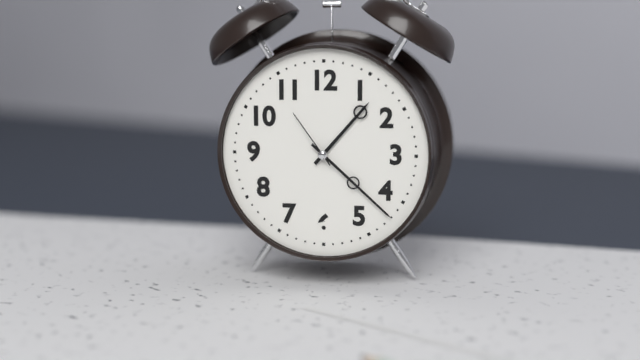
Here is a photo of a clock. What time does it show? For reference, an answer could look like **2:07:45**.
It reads **1:22:54**
